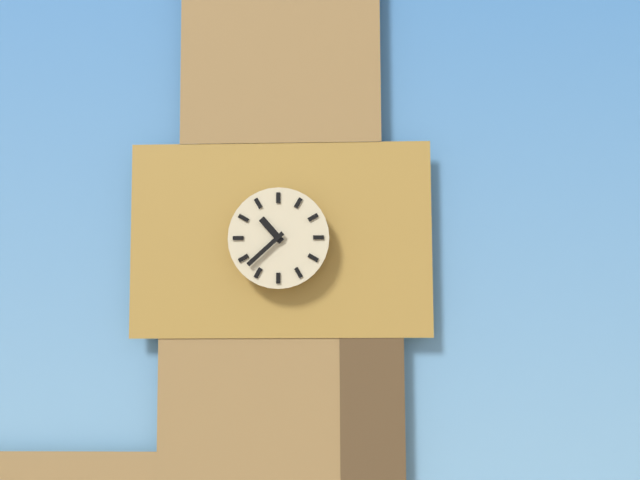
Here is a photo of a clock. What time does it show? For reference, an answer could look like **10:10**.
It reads **10:38**
